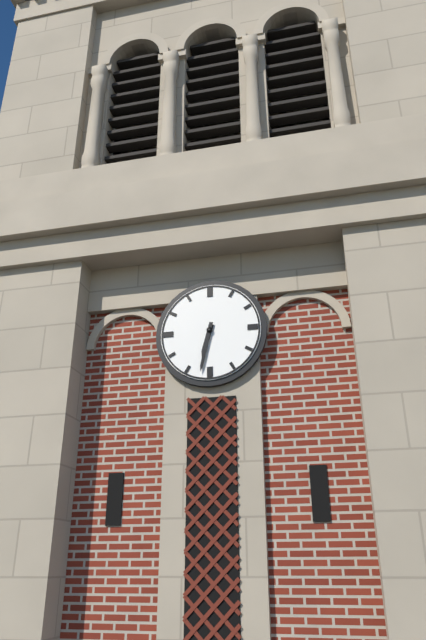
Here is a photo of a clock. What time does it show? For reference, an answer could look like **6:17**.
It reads **6:32**
